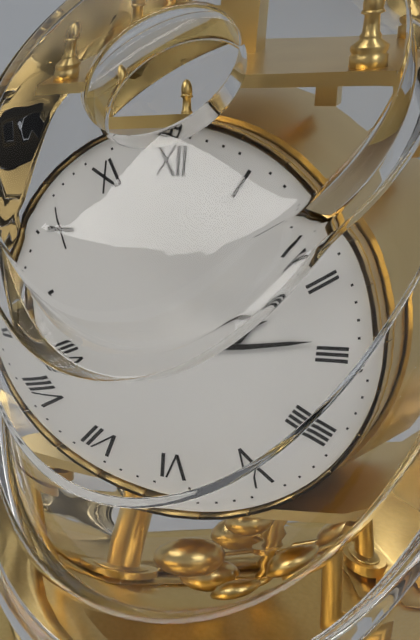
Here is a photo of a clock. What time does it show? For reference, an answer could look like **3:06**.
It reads **2:14**
